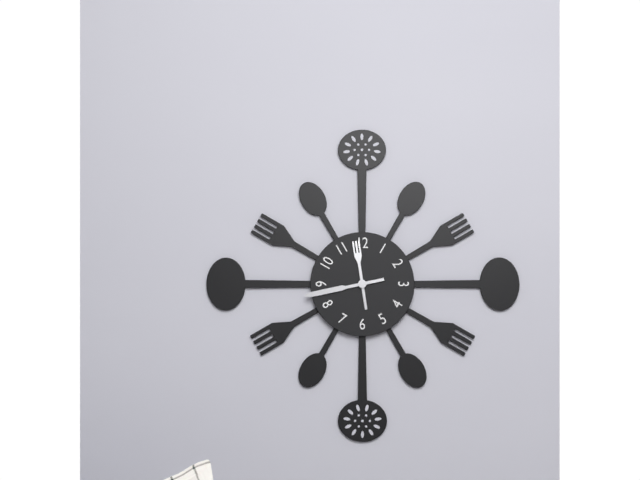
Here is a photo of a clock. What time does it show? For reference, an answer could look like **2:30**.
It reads **11:43**
